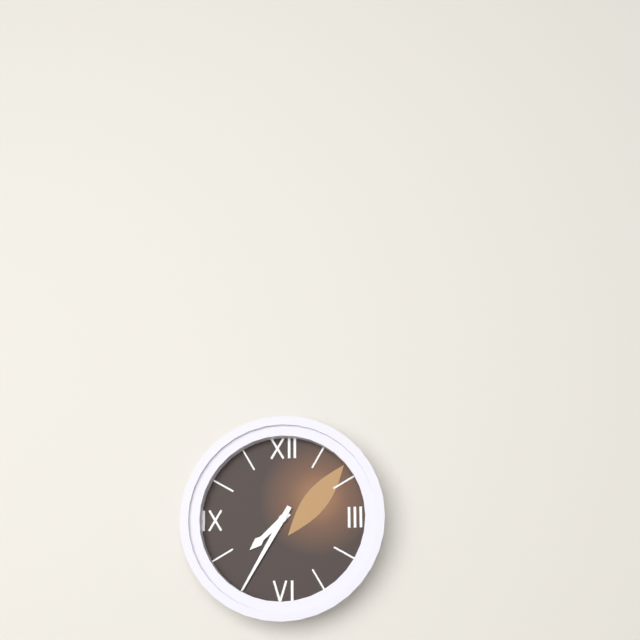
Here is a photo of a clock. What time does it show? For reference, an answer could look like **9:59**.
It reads **7:35**
